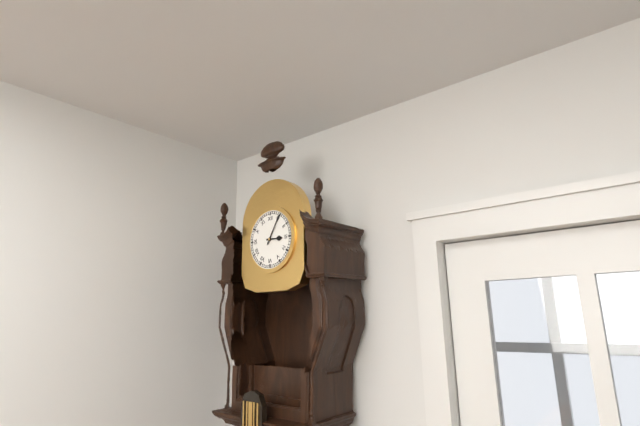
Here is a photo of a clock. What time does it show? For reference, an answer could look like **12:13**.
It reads **3:05**
